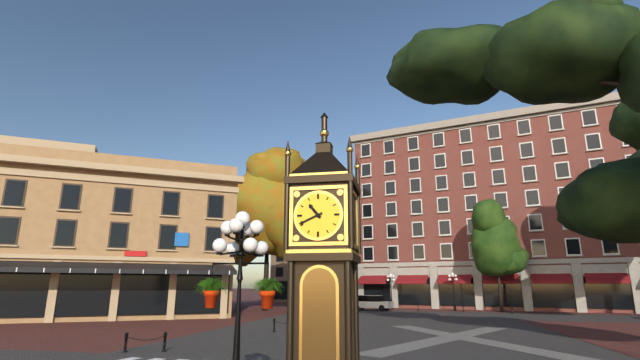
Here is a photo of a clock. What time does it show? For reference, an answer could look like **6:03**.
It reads **10:41**
